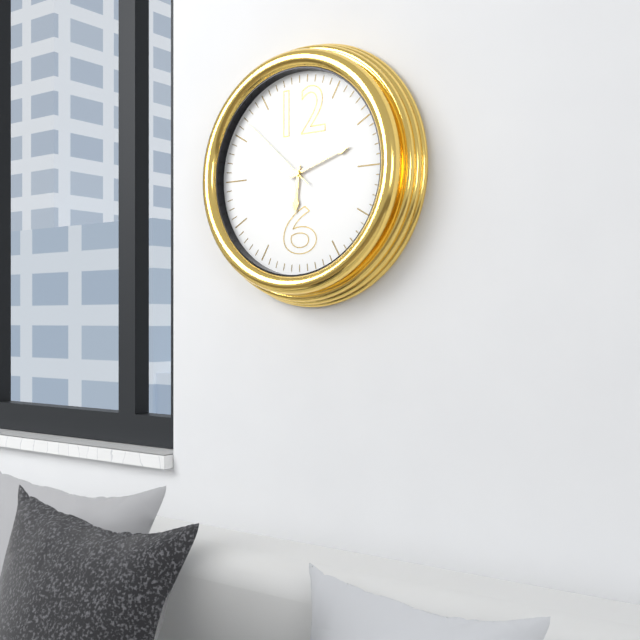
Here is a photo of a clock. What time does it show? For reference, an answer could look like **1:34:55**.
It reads **6:12:52**
